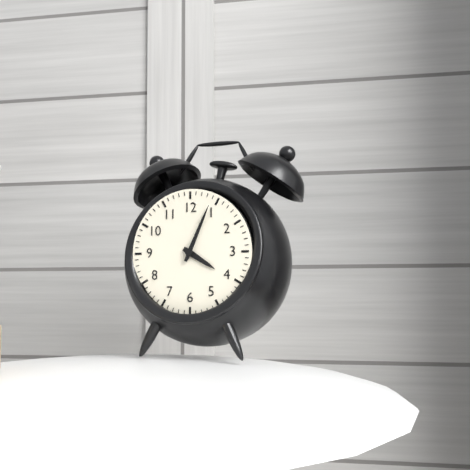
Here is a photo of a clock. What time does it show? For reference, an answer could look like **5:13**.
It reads **4:04**
